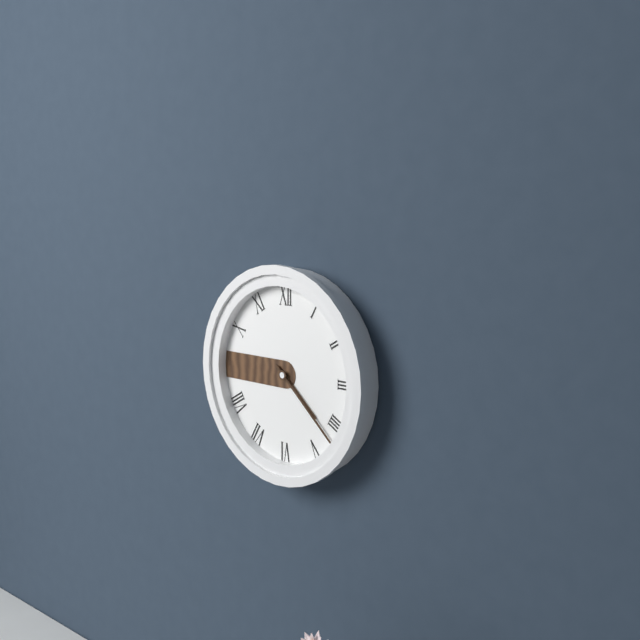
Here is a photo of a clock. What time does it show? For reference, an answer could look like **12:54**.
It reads **4:22**
